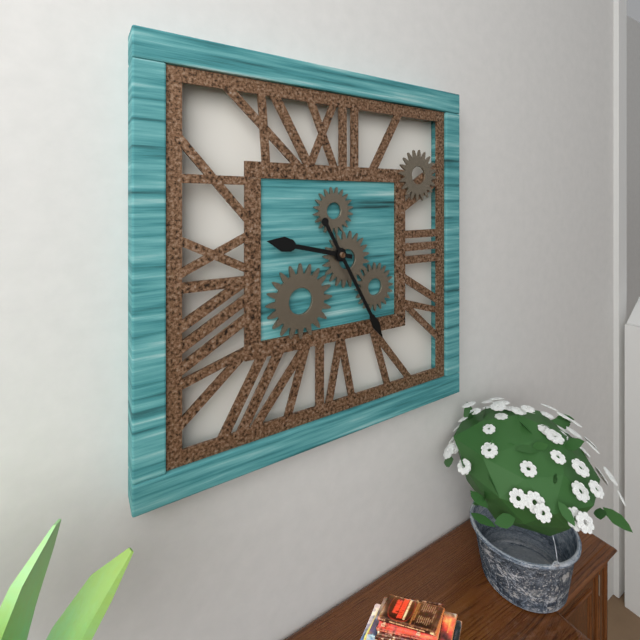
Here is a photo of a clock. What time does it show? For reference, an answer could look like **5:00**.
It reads **9:25**
